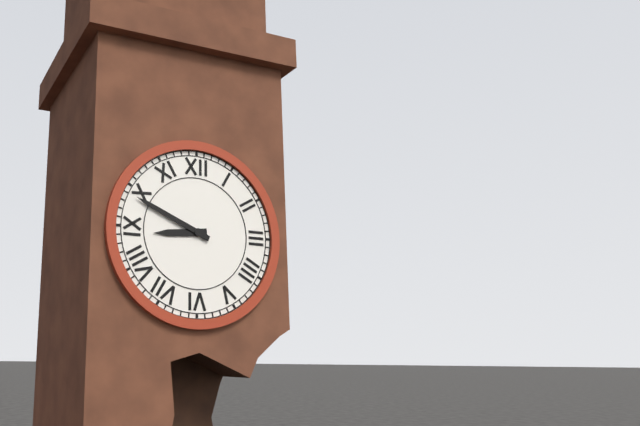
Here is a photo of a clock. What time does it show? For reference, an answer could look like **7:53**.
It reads **8:49**
